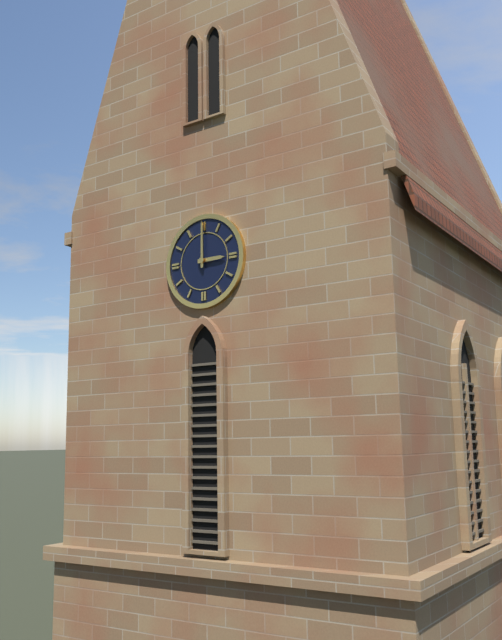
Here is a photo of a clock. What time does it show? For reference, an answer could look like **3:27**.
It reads **3:00**
